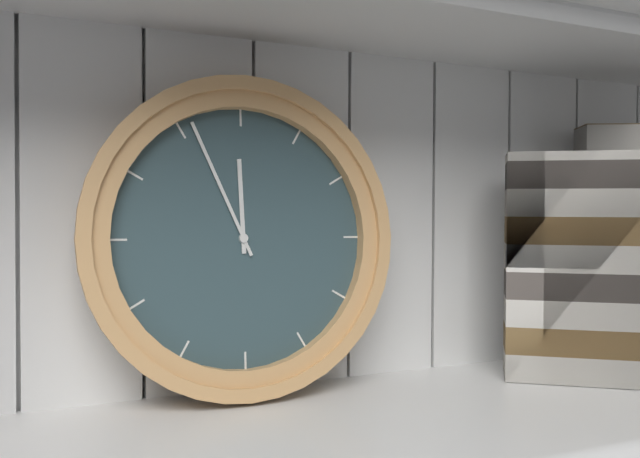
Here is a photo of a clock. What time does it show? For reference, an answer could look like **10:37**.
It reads **11:56**
